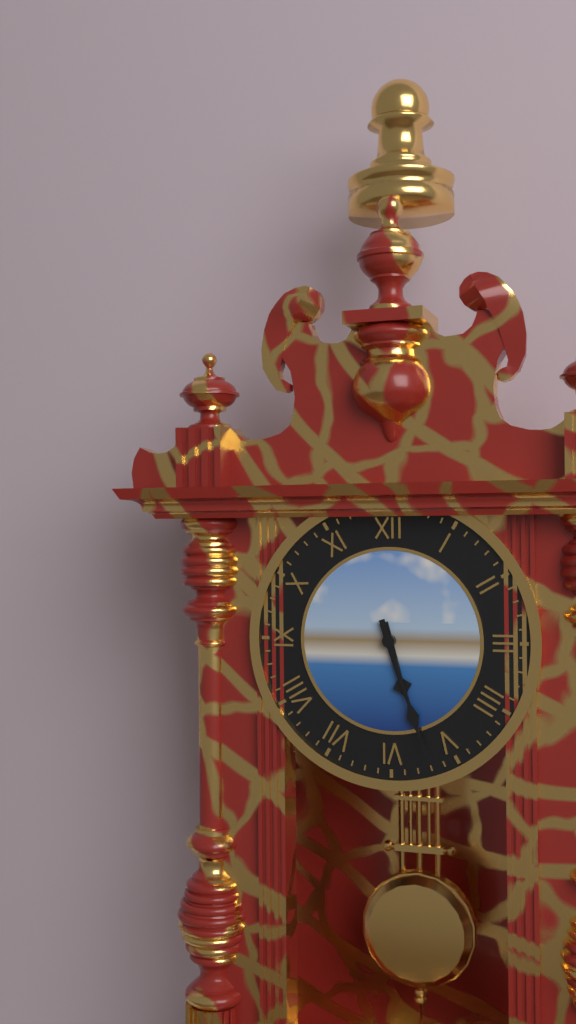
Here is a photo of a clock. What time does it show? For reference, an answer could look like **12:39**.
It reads **5:27**
